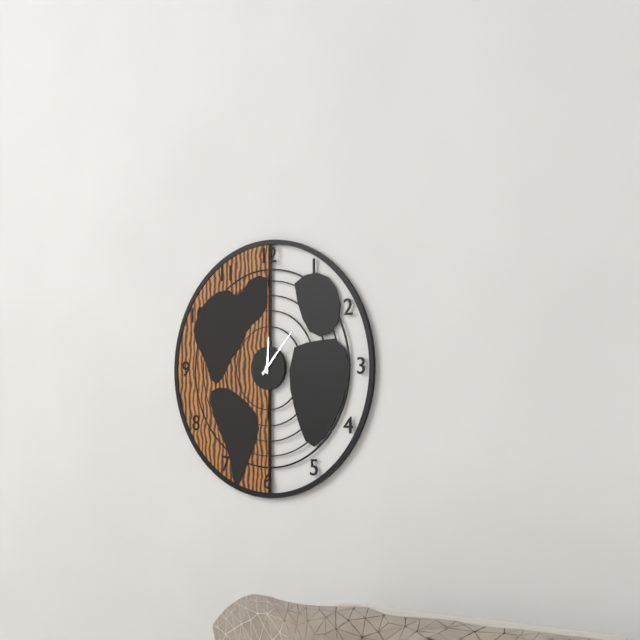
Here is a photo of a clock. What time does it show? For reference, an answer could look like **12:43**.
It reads **12:07**
